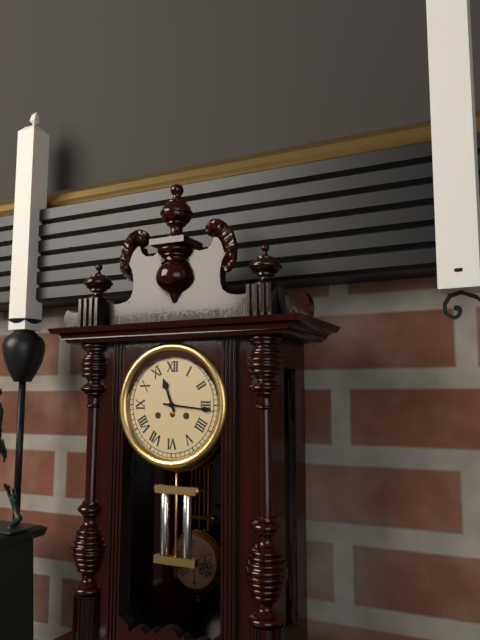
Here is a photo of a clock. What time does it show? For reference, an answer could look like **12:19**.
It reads **11:16**
